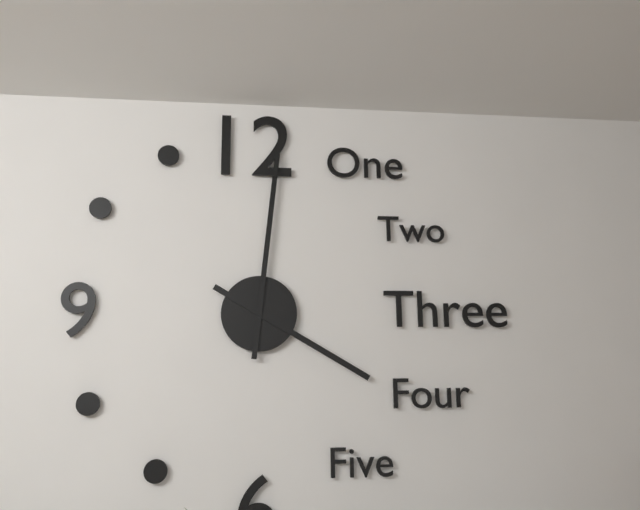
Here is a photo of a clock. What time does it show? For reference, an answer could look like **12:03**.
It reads **4:01**
